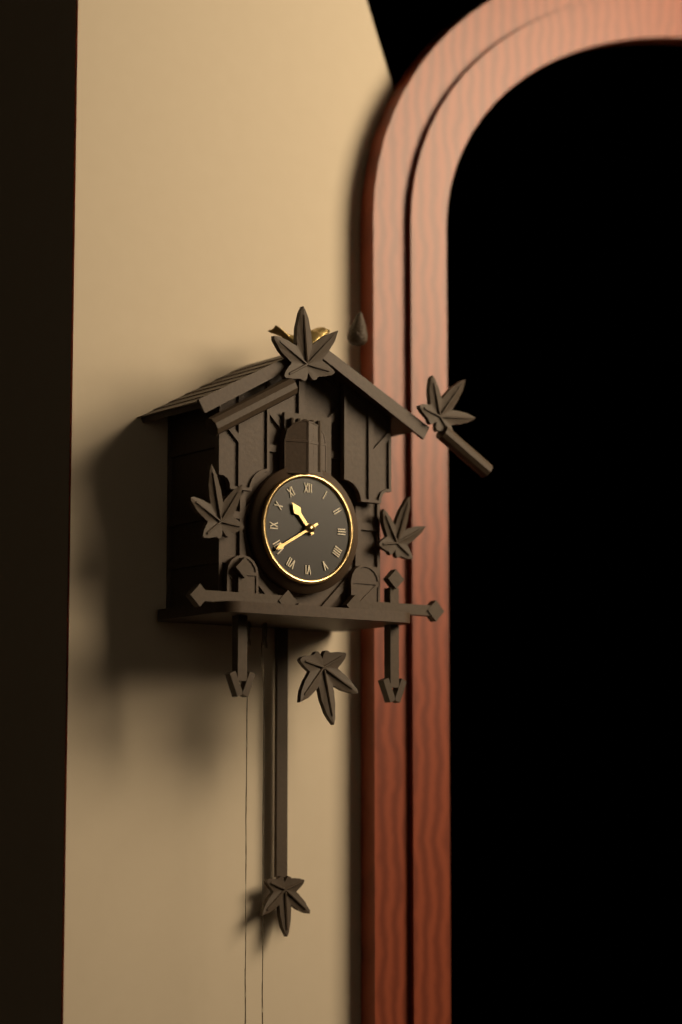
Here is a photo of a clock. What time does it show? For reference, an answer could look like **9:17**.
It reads **10:40**
